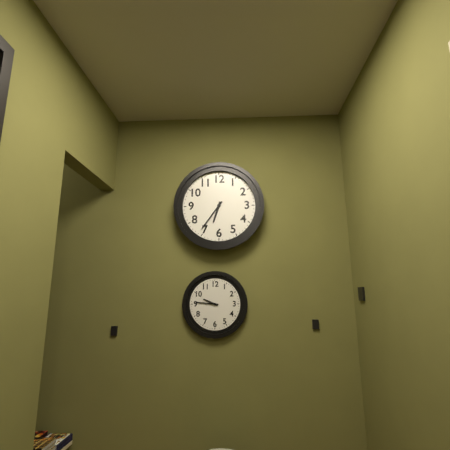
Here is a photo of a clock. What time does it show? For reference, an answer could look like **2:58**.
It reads **6:36**
